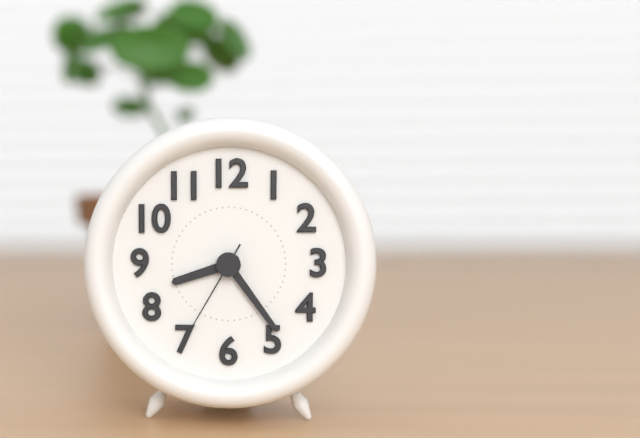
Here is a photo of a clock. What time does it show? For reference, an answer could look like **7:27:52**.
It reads **8:24:35**
